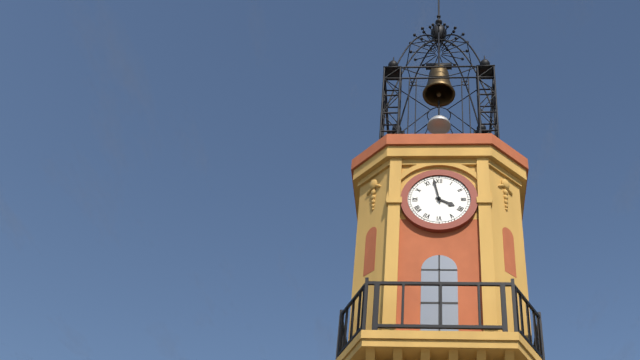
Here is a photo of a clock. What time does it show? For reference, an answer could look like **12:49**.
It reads **3:58**
